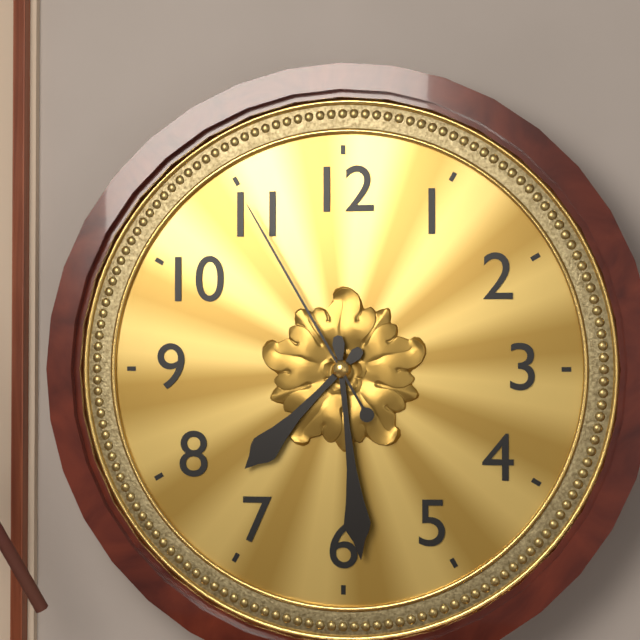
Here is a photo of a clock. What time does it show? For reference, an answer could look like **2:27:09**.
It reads **7:29:55**
